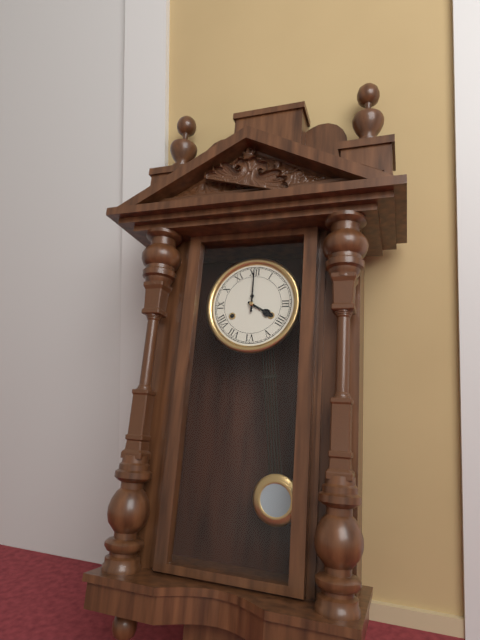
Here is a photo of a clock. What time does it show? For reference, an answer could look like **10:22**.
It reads **4:00**
